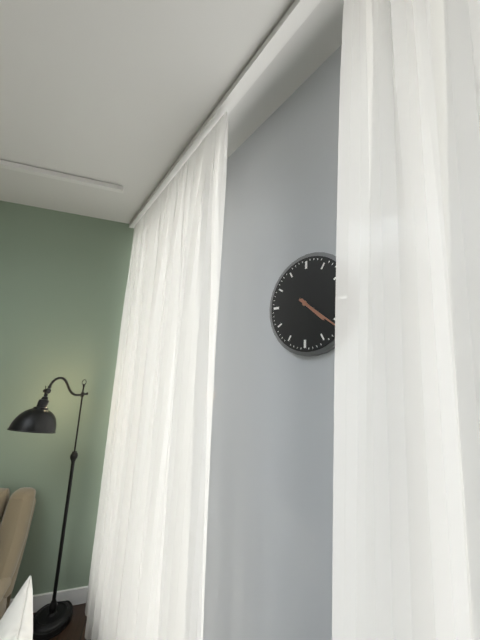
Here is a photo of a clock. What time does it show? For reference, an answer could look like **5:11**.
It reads **4:21**
